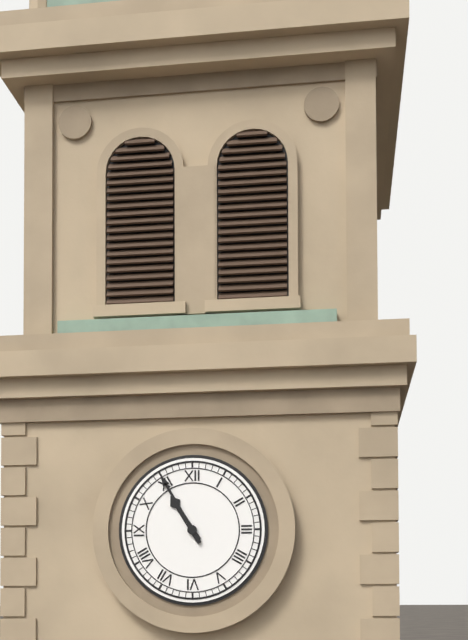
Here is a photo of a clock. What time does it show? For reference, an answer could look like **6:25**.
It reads **10:55**
